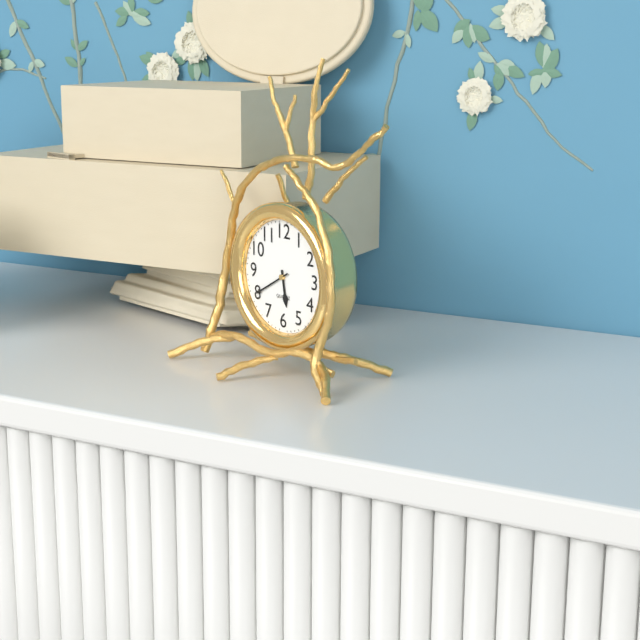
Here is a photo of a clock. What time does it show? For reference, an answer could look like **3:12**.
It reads **5:40**
